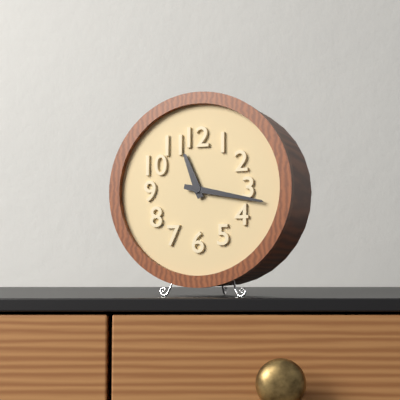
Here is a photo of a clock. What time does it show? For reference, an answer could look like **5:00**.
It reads **11:17**
